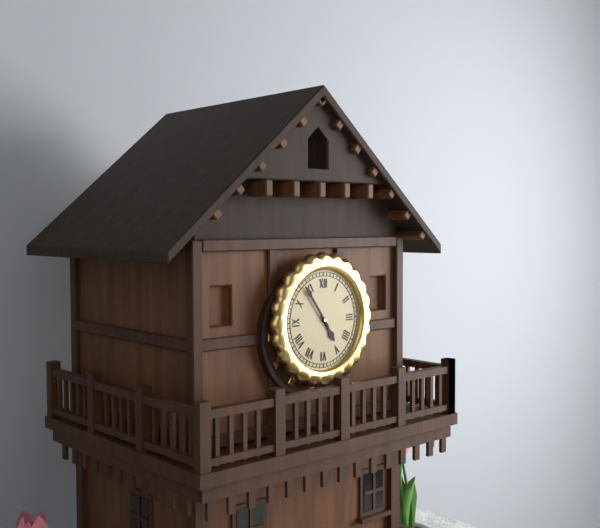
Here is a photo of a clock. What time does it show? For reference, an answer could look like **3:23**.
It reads **4:54**
